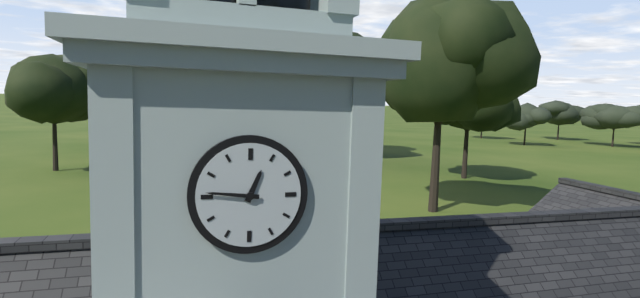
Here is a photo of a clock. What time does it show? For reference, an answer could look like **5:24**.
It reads **12:46**
